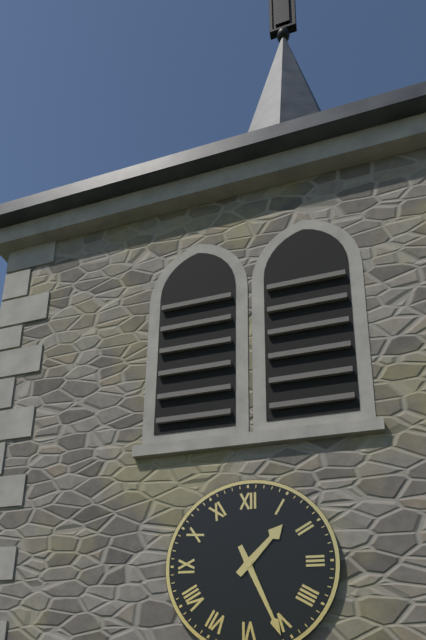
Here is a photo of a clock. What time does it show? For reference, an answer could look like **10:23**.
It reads **1:26**
